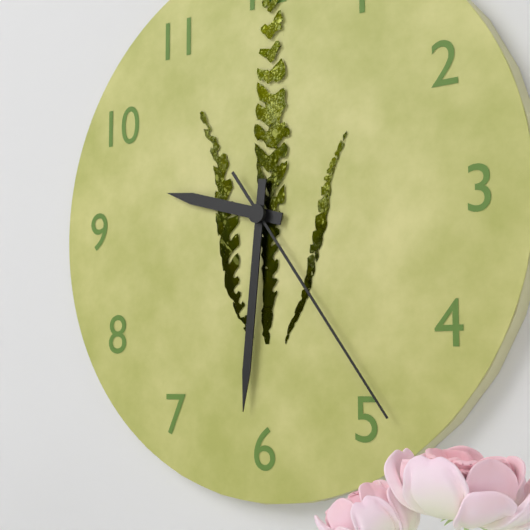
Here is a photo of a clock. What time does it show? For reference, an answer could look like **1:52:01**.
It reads **9:31:24**
